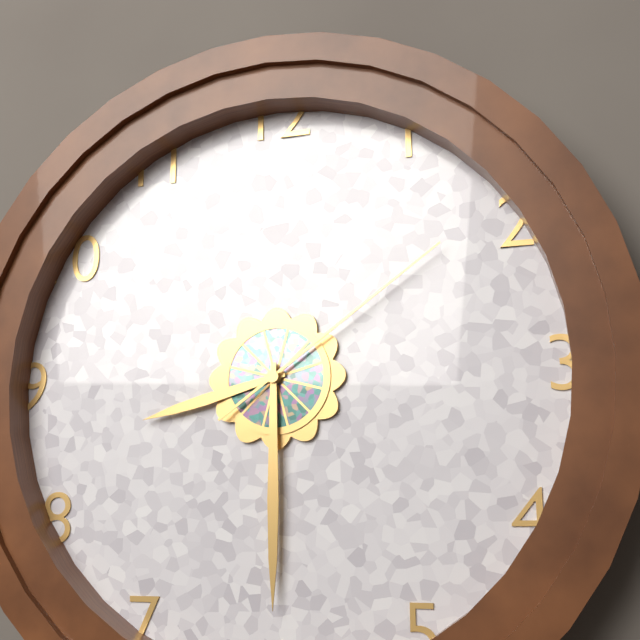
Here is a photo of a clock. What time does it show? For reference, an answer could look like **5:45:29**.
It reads **8:30:09**
